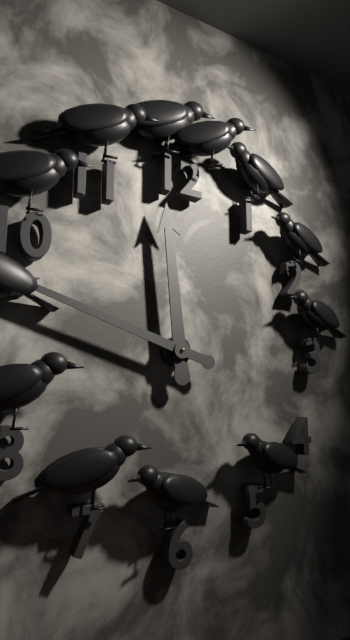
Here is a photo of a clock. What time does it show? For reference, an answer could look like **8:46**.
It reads **11:48**
